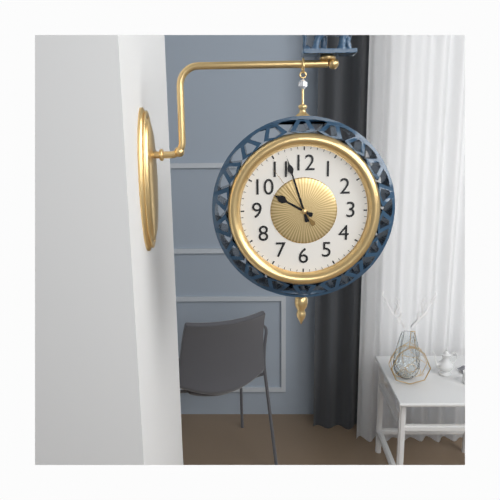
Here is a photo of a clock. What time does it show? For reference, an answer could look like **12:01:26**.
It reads **9:57:54**
